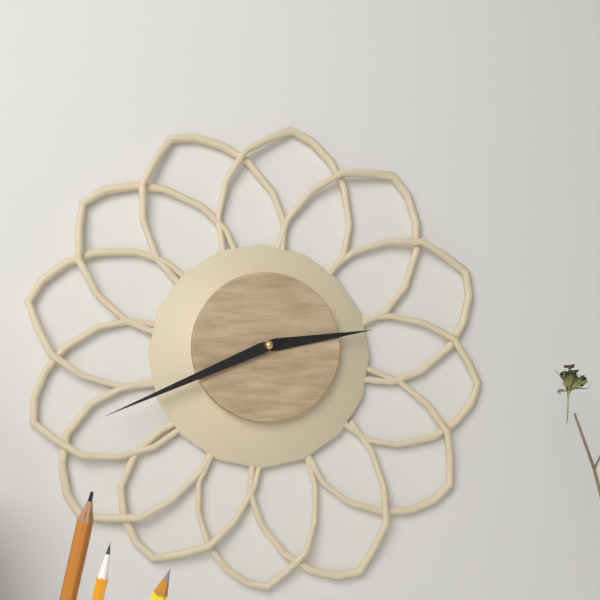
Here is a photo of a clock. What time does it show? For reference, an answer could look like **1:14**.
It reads **2:41**
